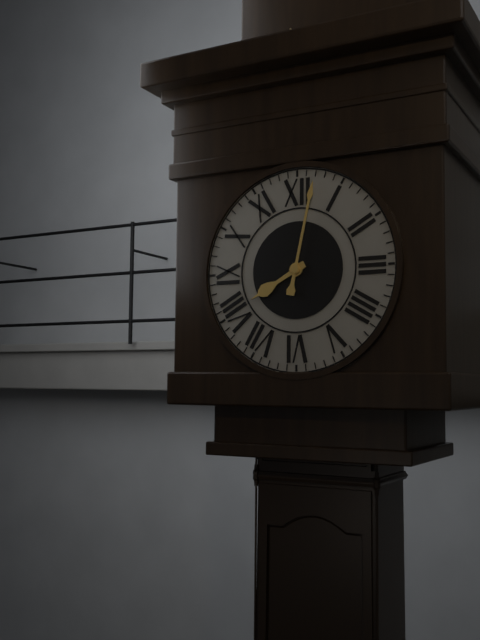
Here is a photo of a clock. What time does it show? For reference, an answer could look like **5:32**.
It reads **8:02**
